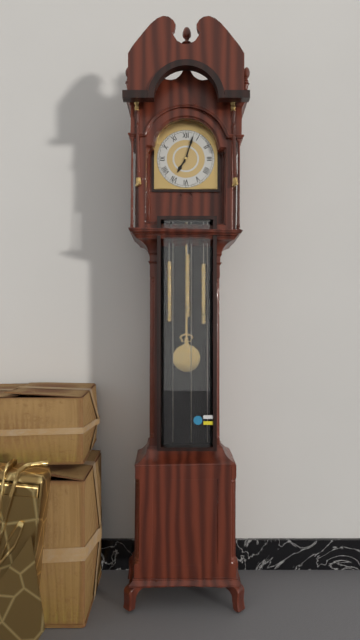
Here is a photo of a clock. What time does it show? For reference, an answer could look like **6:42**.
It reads **7:03**
